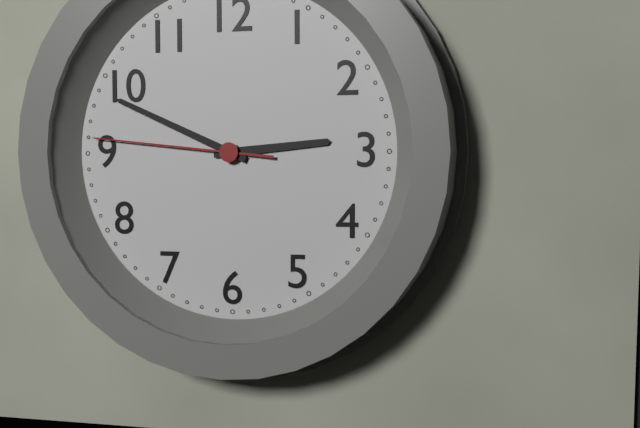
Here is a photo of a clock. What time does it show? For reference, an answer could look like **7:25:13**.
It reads **2:49:46**
